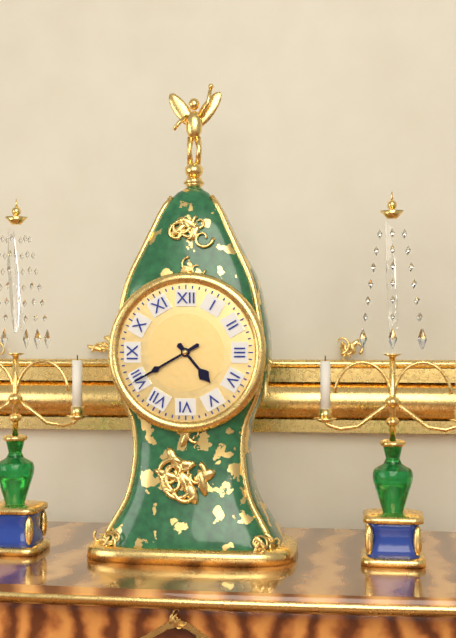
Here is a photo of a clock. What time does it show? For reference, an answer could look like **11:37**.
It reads **4:40**
